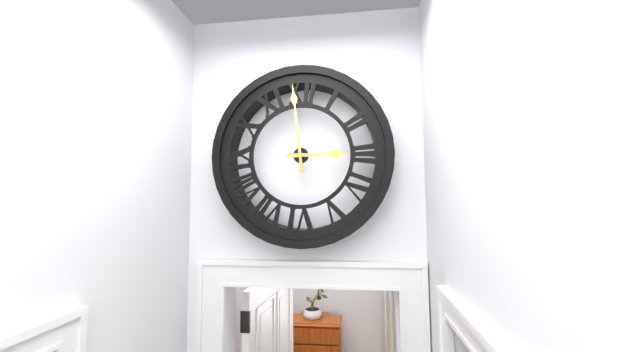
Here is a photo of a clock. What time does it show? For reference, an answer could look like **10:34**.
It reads **2:59**
